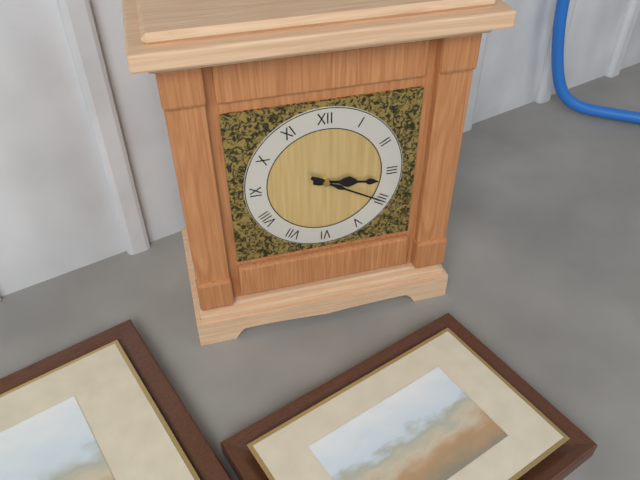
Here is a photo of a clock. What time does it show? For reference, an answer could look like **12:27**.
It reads **3:20**
